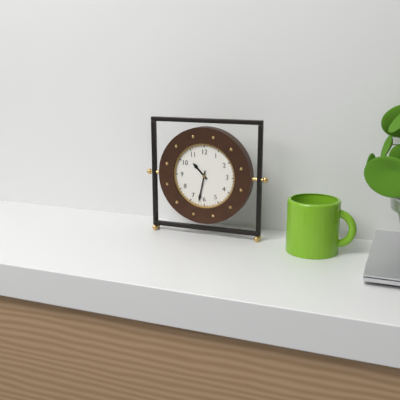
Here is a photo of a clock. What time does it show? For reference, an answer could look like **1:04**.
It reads **10:32**
